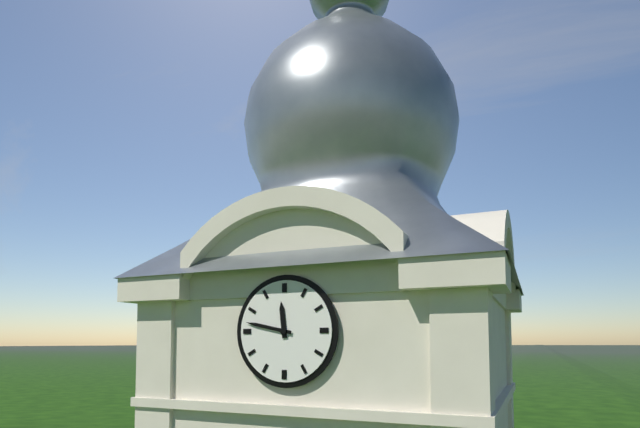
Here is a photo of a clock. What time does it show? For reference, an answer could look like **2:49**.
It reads **11:47**
